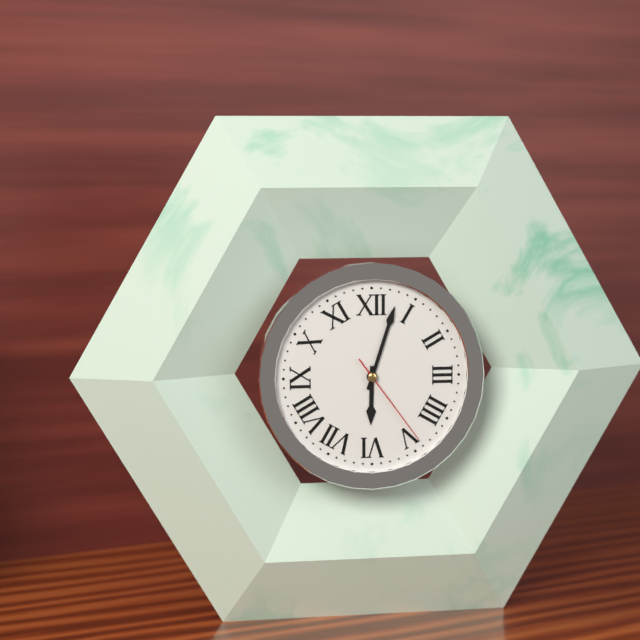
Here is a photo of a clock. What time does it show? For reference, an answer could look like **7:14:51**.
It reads **6:03:24**
